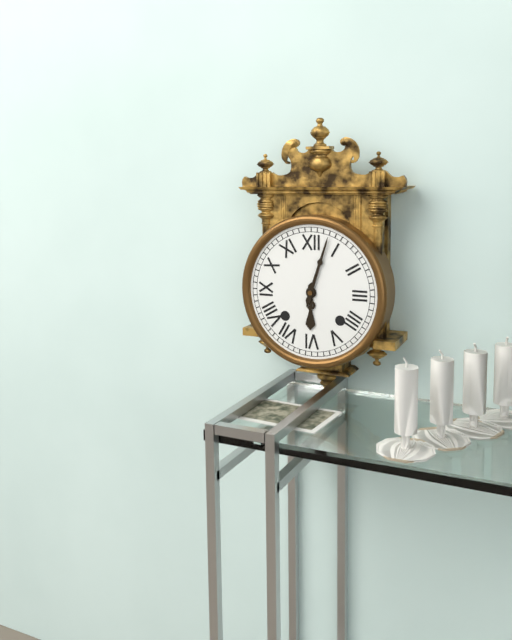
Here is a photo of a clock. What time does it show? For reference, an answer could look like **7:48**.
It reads **6:03**
